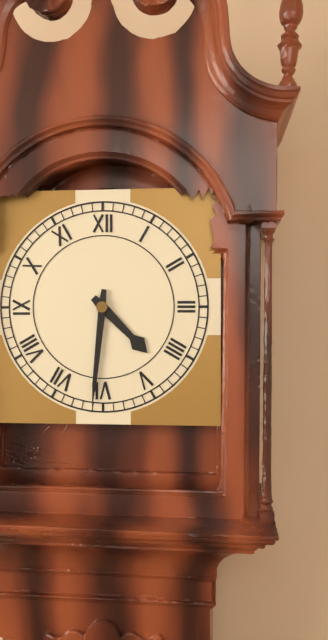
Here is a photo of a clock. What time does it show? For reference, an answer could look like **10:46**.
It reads **4:31**
